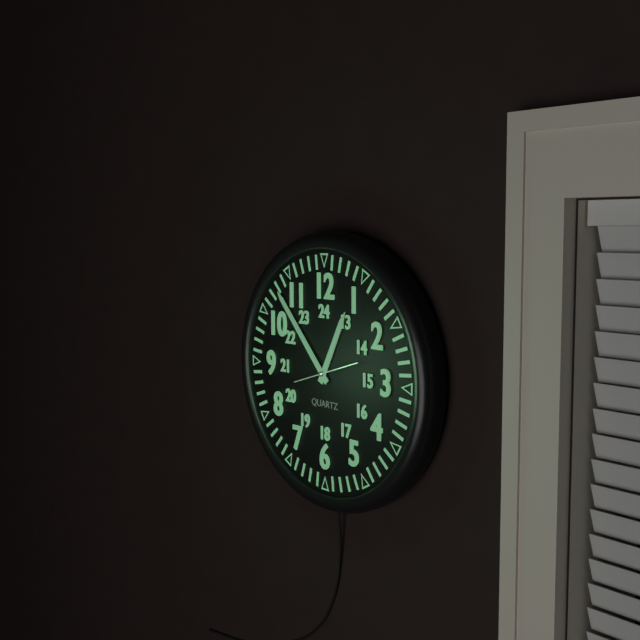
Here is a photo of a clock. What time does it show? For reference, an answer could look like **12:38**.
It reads **12:53**
